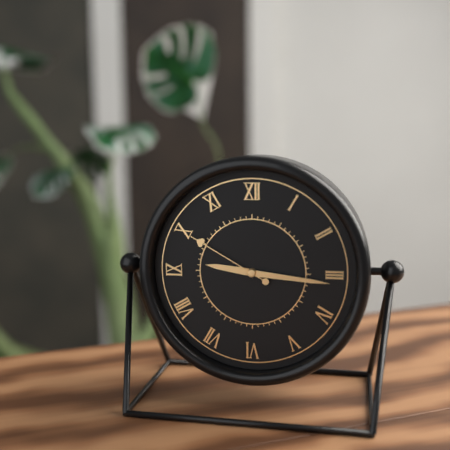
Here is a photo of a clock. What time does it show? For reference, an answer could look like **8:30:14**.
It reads **9:16:50**
